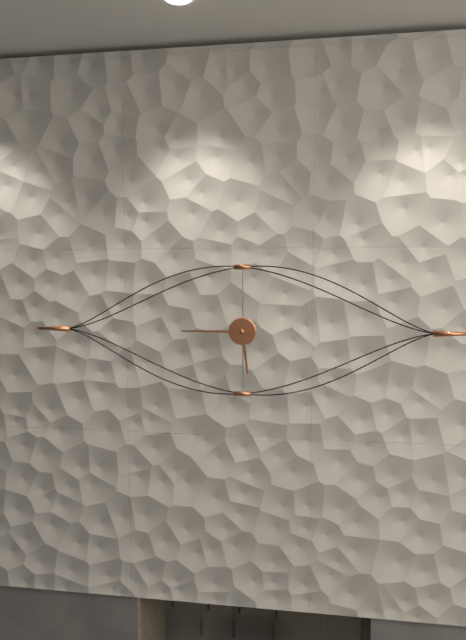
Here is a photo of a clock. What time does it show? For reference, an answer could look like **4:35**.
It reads **5:45**
